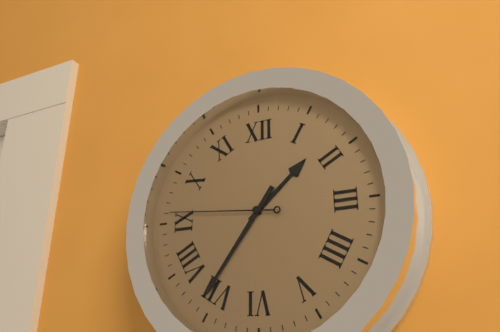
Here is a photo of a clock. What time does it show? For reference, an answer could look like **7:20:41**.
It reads **1:36:46**
